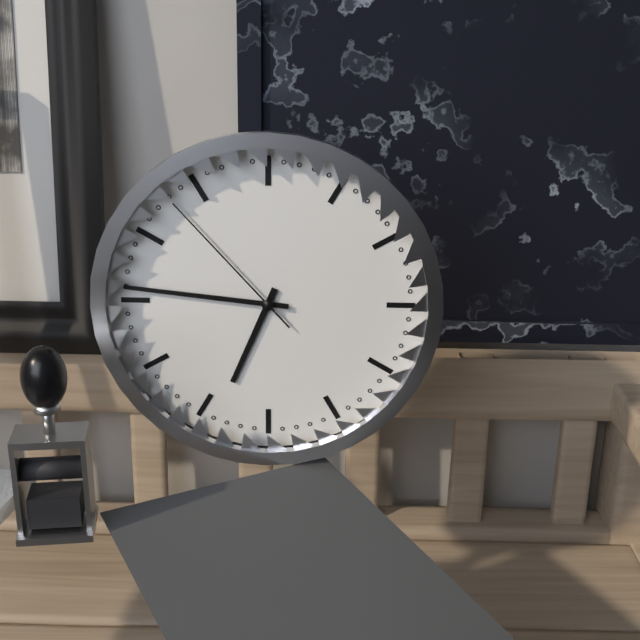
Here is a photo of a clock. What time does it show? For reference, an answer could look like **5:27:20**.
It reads **6:46:53**
